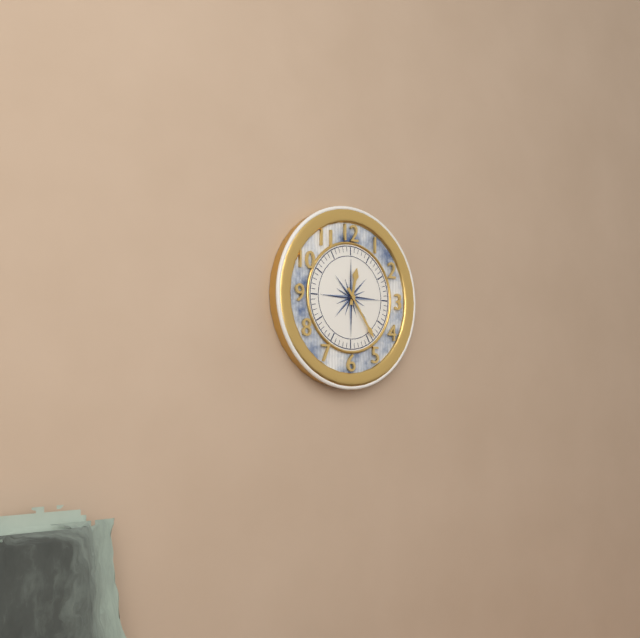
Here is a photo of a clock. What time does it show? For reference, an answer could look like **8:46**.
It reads **12:24**
